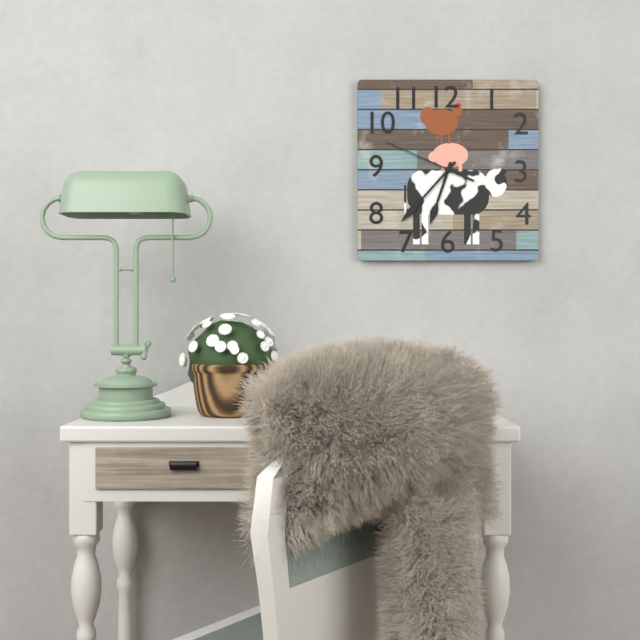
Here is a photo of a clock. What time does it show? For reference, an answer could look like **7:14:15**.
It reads **6:37:49**
